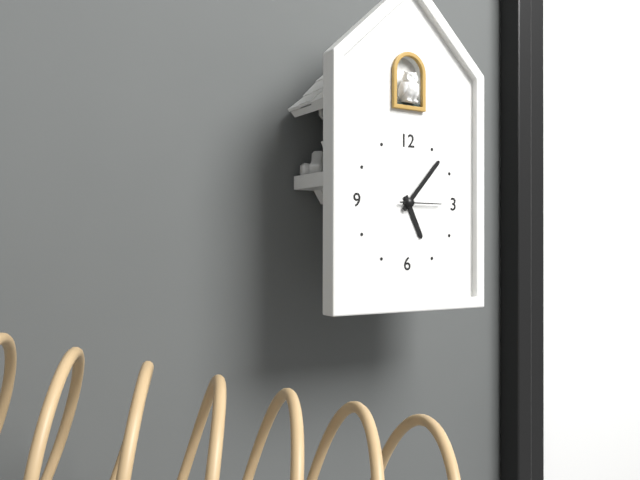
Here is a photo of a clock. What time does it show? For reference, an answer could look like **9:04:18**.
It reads **5:07:15**
